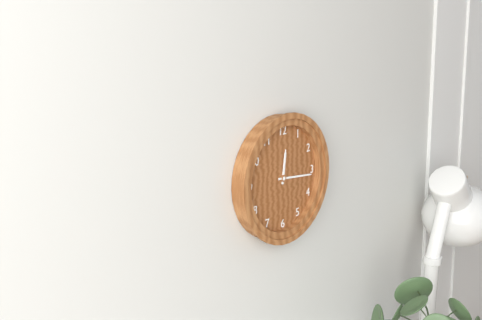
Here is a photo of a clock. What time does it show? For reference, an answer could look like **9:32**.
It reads **12:16**
